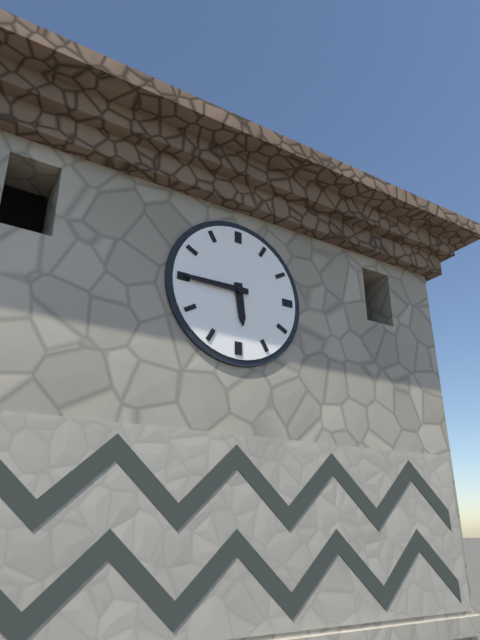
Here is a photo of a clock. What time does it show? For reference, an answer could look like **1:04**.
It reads **5:45**
